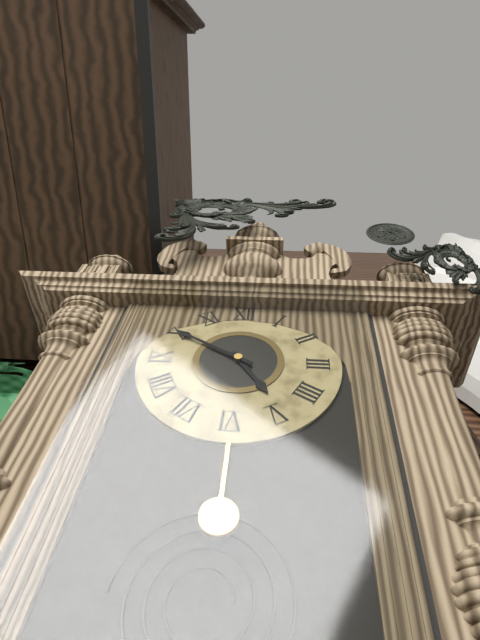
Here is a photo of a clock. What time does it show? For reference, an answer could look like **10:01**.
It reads **4:50**
